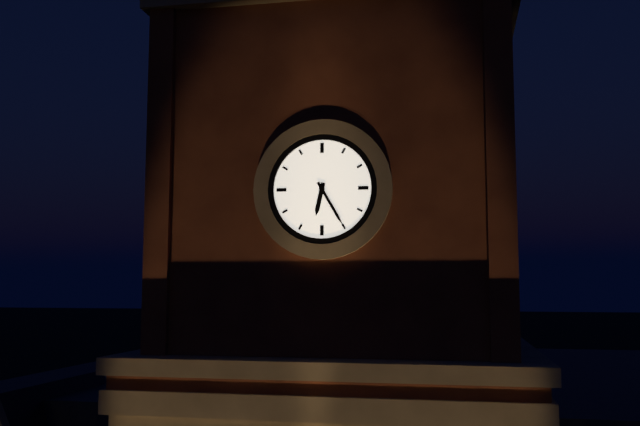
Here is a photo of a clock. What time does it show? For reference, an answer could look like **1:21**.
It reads **6:25**
